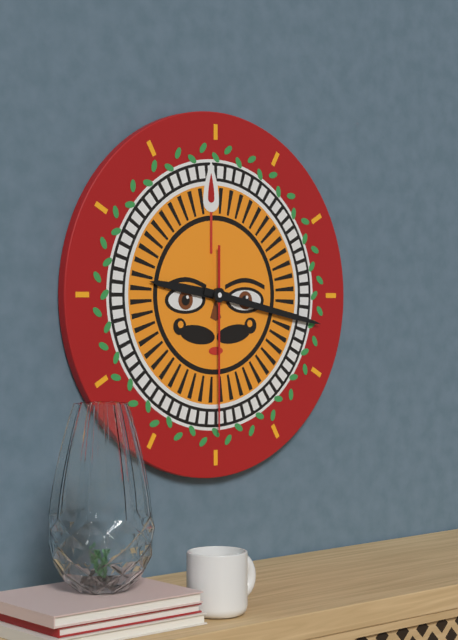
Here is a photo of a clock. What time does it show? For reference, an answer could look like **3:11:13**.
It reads **9:17:30**
